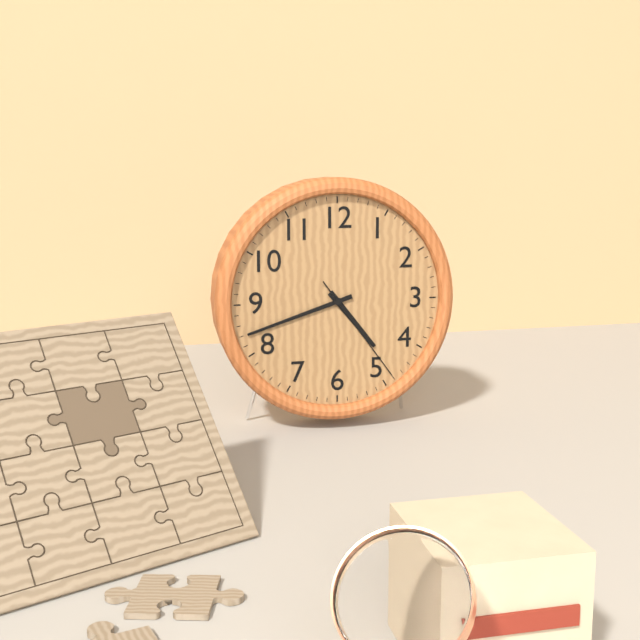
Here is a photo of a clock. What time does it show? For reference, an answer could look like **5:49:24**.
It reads **4:42:24**
